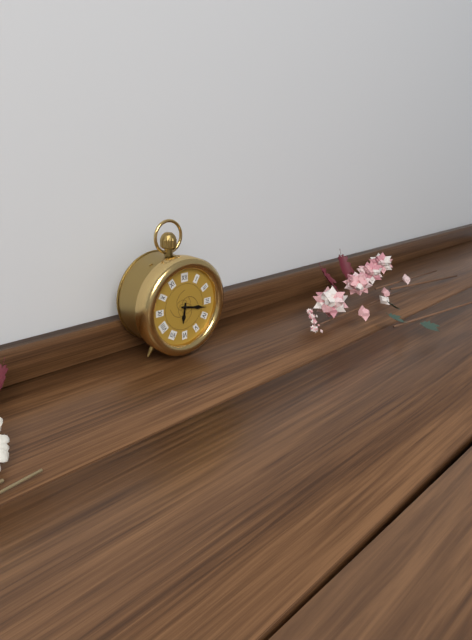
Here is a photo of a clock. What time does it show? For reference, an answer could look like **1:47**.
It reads **6:17**
